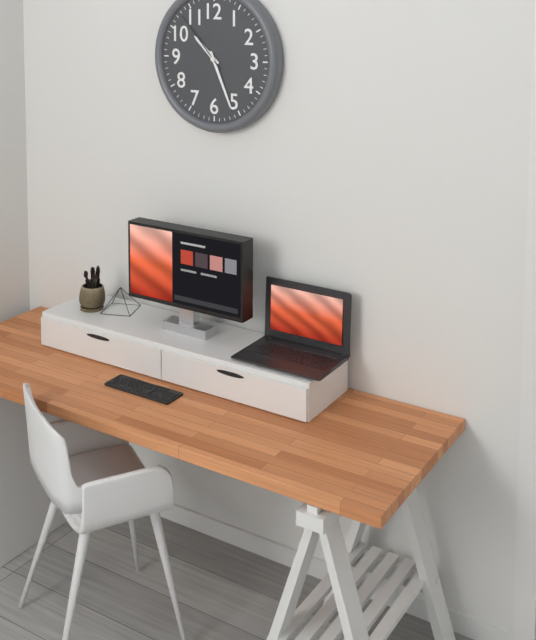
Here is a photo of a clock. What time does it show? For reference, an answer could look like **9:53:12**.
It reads **10:26:53**
